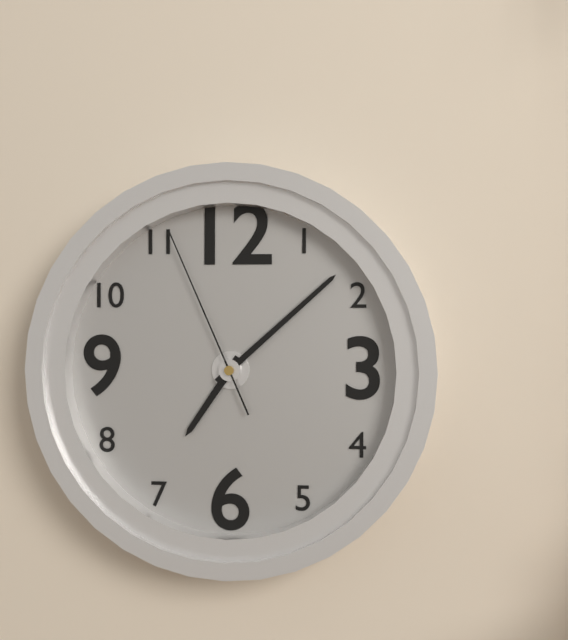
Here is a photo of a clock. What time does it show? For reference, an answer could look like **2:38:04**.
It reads **7:08:56**
